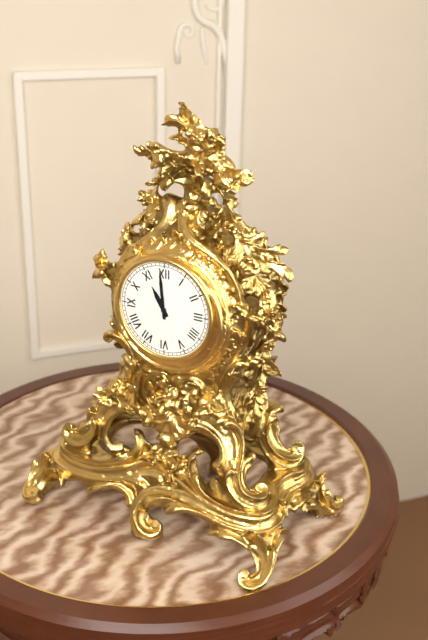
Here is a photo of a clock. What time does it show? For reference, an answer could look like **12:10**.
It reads **10:59**
